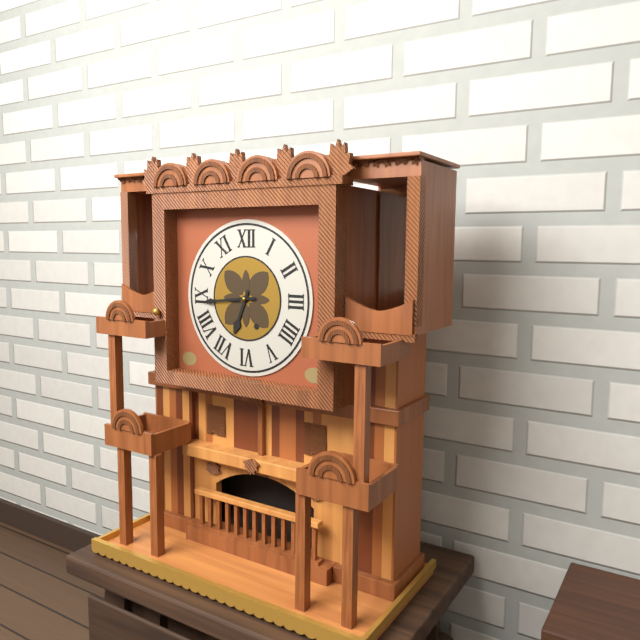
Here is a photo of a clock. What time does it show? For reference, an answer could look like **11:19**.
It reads **6:44**
